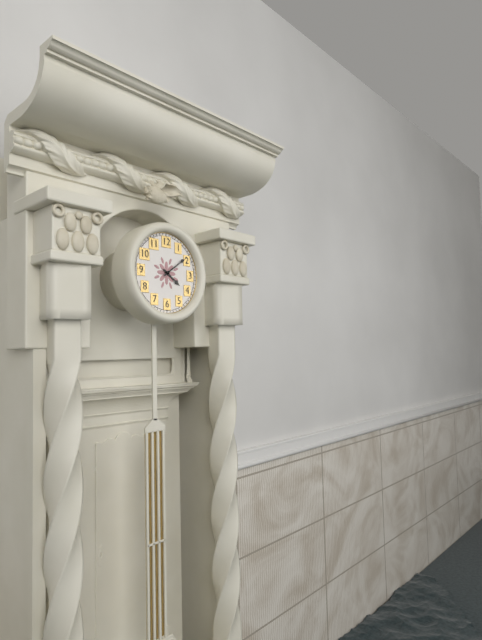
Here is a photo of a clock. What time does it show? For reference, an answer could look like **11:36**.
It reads **4:09**
